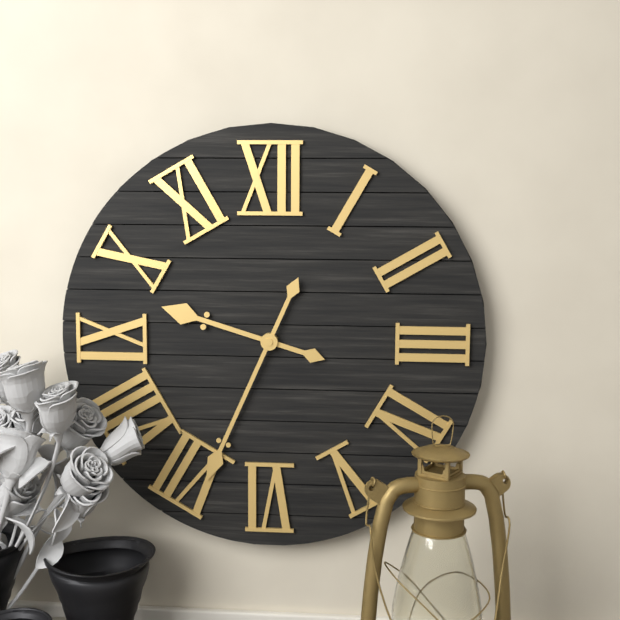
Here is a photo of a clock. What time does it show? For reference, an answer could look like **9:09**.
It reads **9:34**
